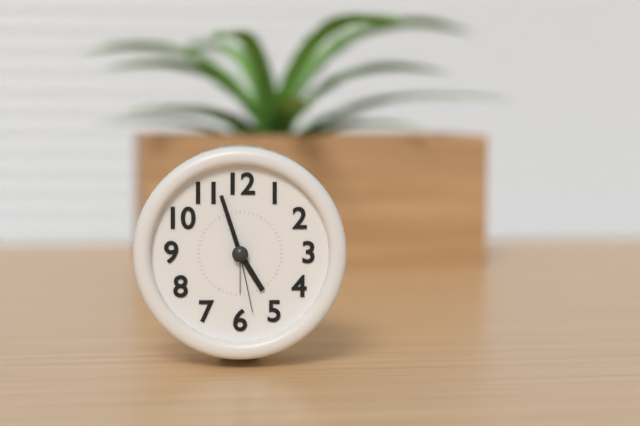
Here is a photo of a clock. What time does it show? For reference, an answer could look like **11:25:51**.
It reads **4:57:28**
